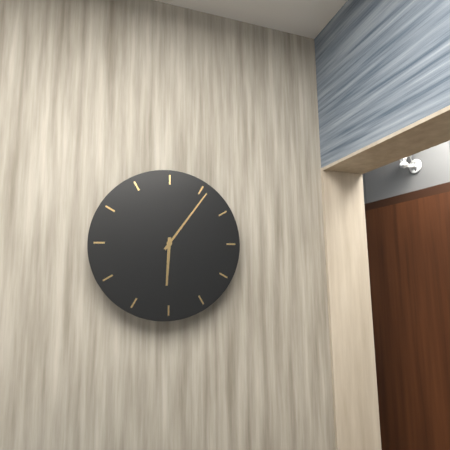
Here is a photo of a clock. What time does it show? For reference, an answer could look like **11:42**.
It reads **6:06**
